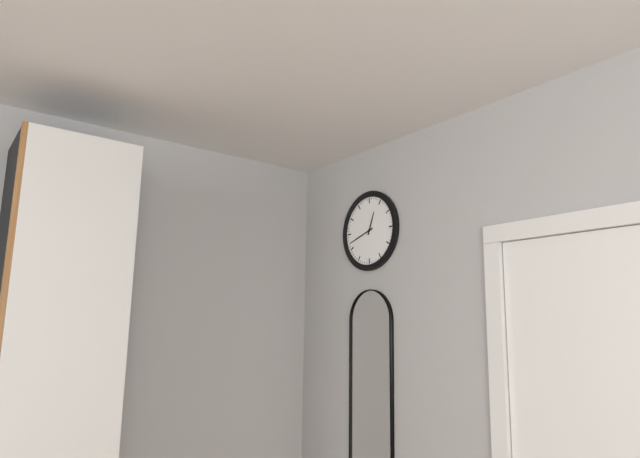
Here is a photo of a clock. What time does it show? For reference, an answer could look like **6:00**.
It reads **12:42**
